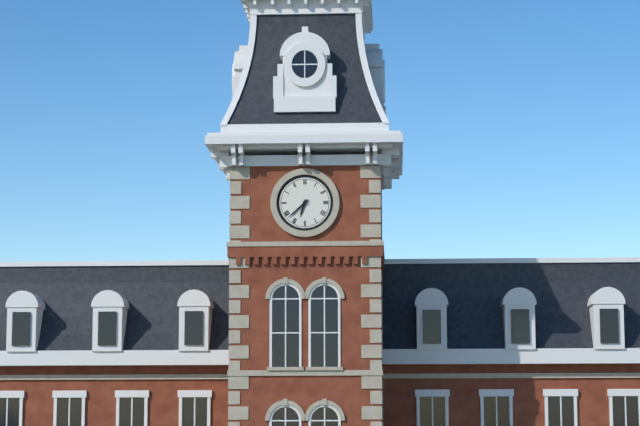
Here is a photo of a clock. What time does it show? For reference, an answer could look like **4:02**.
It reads **6:38**
